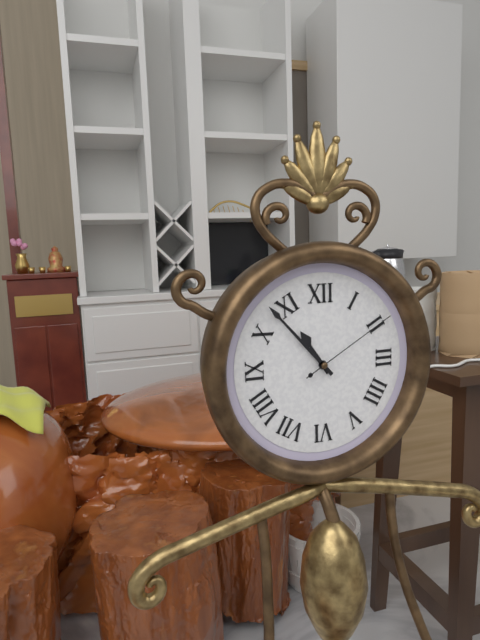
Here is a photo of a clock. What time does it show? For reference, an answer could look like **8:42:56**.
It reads **10:53:10**
